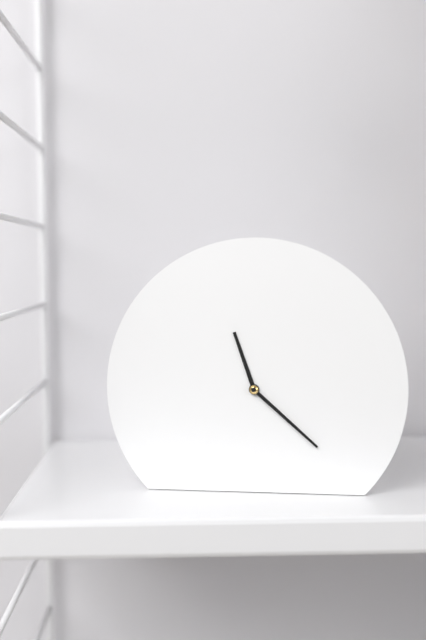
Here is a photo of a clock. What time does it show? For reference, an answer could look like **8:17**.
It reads **11:22**
